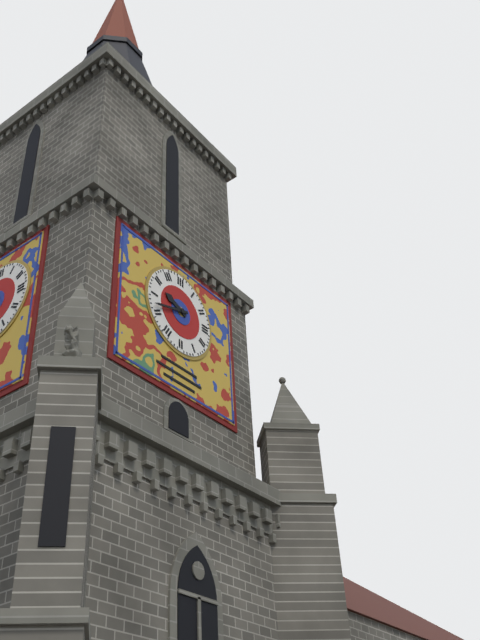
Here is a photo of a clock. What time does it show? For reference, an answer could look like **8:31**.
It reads **9:42**
